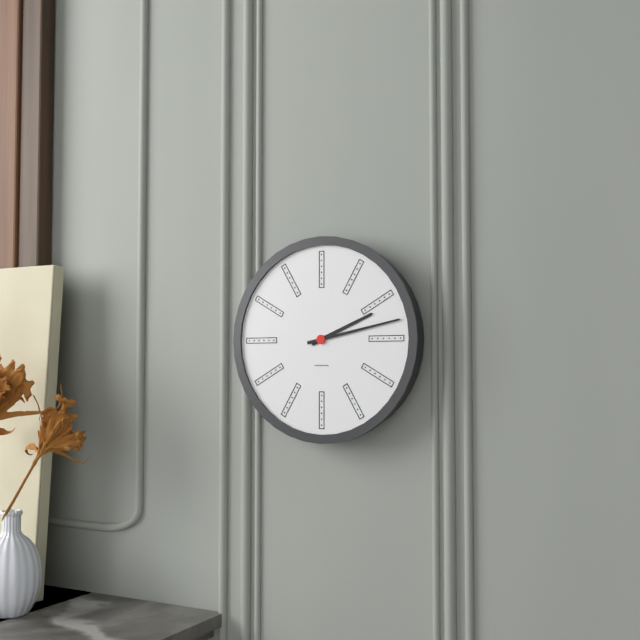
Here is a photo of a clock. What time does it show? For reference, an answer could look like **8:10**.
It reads **2:13**
